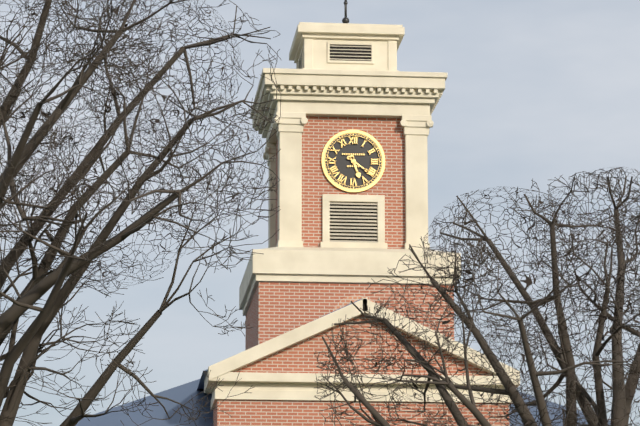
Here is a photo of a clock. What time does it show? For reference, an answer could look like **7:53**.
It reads **5:21**
